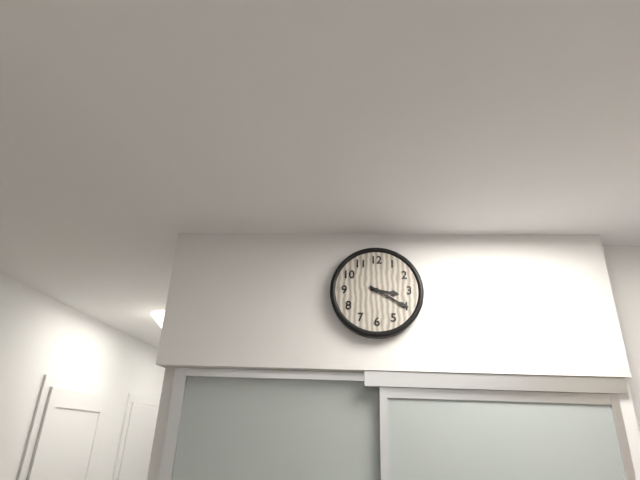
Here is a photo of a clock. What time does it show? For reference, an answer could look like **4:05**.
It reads **3:20**
